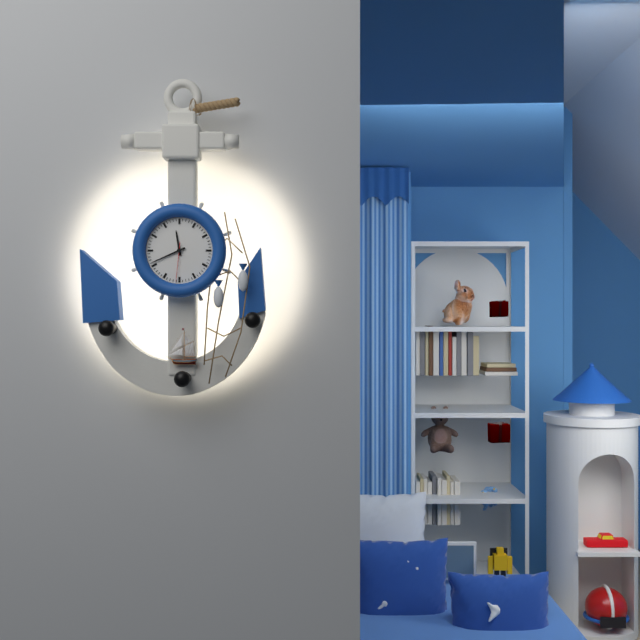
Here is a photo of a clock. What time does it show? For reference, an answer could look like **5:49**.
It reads **11:41**
